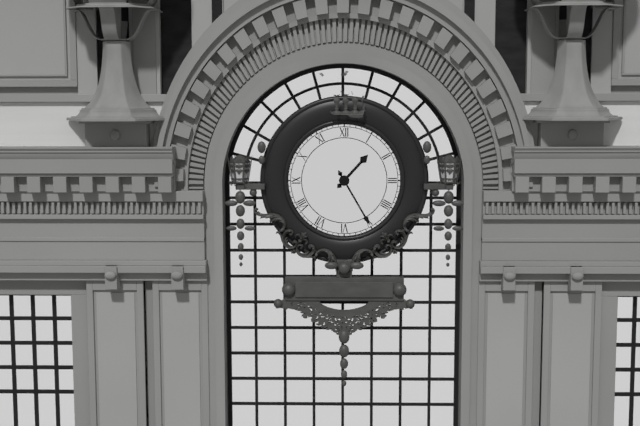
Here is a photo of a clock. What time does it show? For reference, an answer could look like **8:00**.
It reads **1:25**
